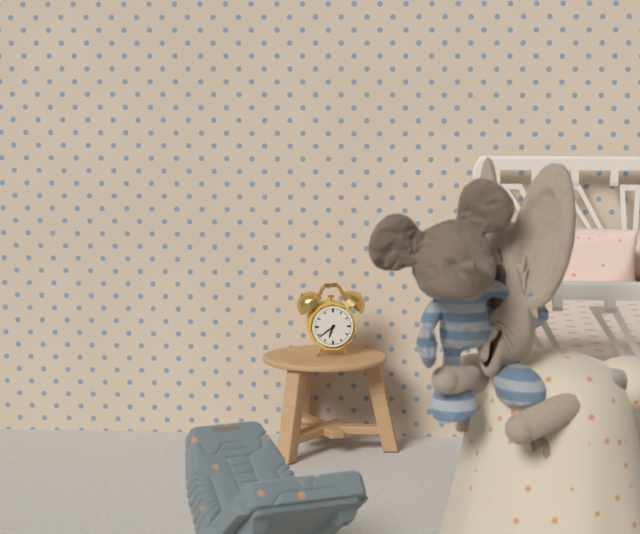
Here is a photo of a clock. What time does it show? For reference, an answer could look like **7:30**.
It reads **6:39**
